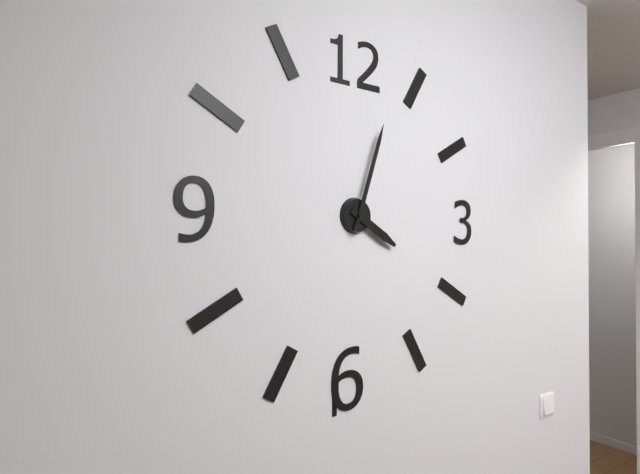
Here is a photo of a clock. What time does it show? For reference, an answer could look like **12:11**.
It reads **4:03**
